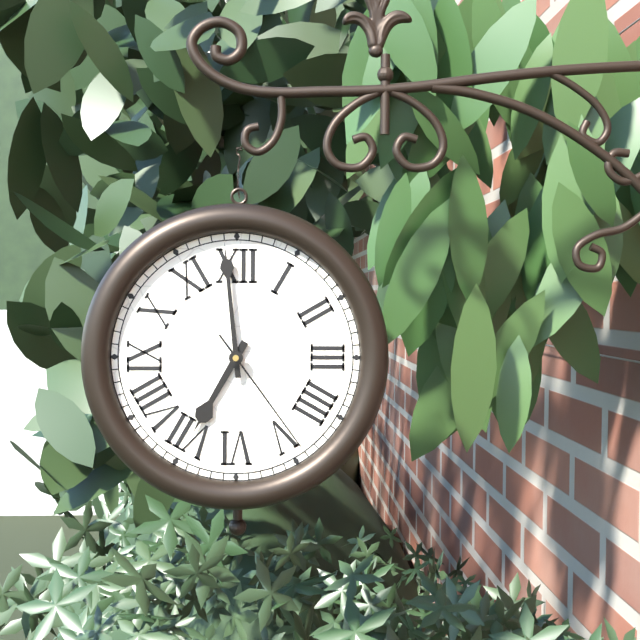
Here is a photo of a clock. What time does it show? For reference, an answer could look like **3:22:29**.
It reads **6:59:24**
